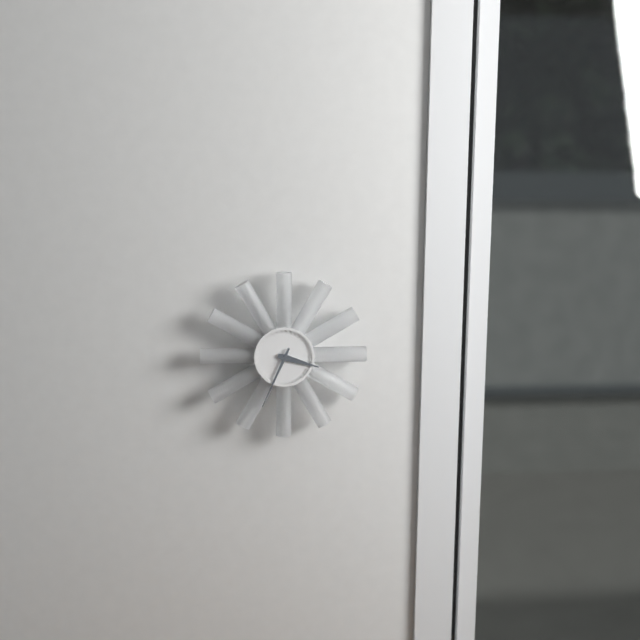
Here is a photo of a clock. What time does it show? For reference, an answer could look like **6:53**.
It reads **3:34**
